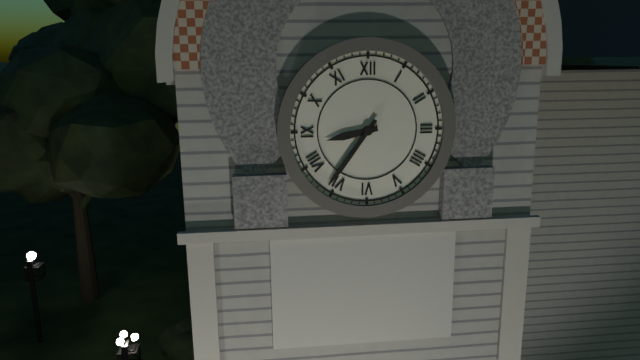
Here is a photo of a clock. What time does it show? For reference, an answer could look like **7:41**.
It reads **8:36**
